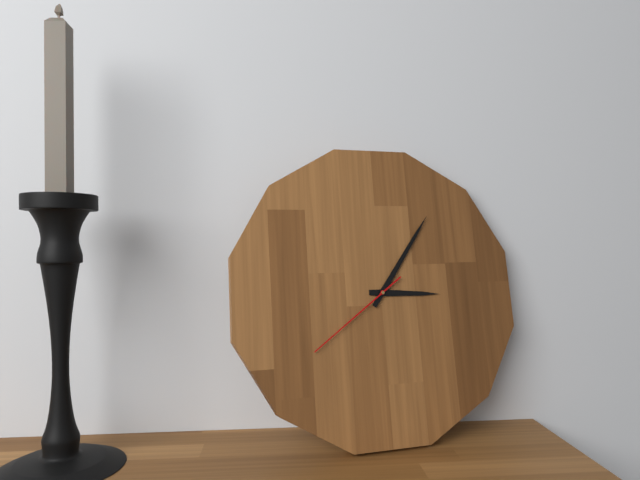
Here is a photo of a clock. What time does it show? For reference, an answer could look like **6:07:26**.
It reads **3:06:39**
